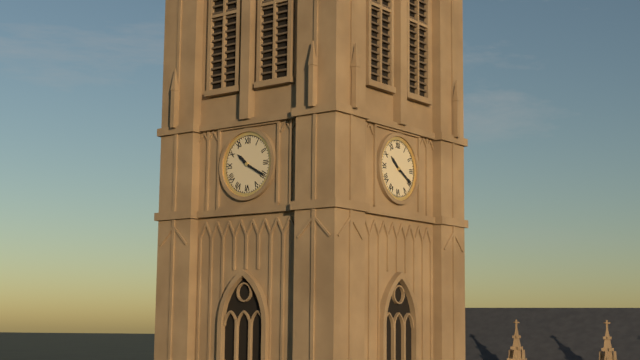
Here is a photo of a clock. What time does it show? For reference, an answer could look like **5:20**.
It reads **10:20**
